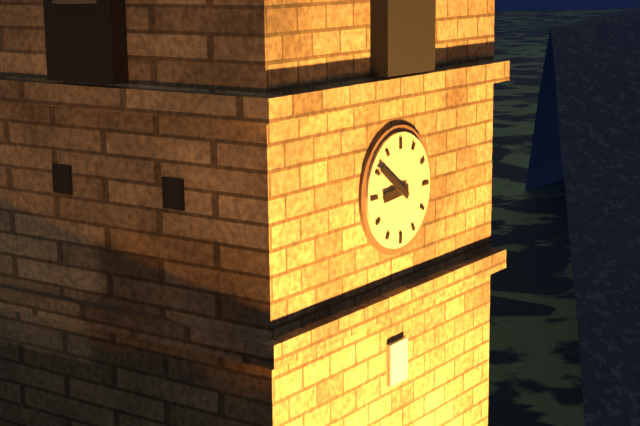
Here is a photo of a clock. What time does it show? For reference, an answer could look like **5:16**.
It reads **8:51**
